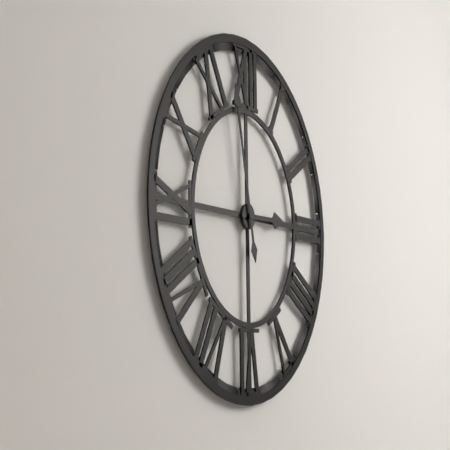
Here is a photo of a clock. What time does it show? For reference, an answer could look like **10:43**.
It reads **2:58**
